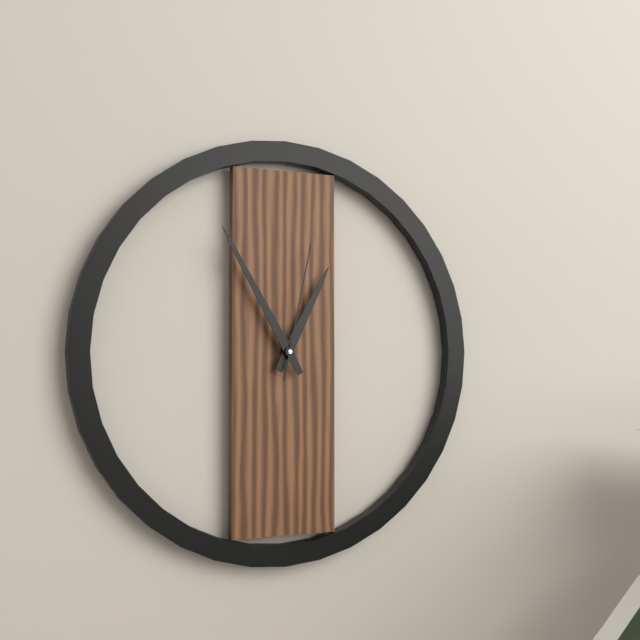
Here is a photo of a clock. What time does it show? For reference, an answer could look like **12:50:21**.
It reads **12:55:02**
